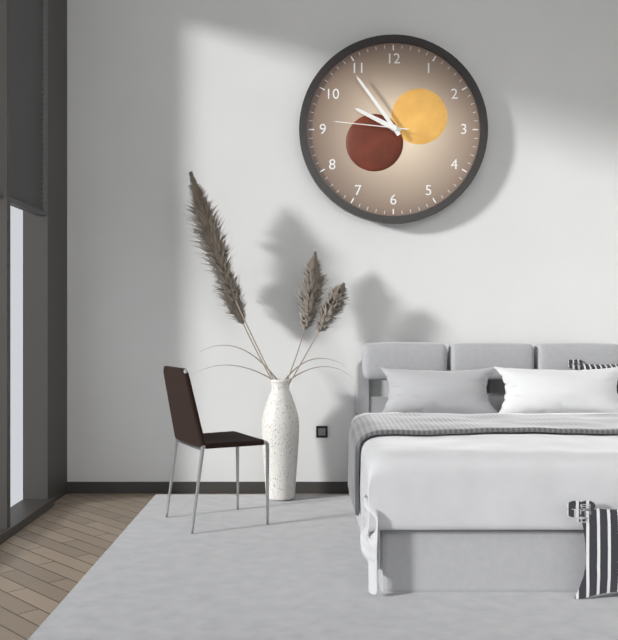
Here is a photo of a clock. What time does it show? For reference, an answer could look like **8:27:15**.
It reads **9:54:46**
